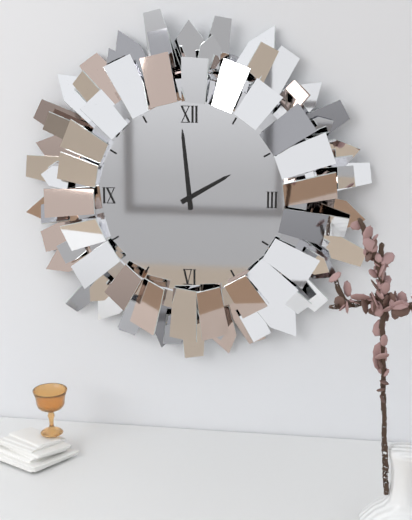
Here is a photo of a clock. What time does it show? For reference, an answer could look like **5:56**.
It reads **1:59**
